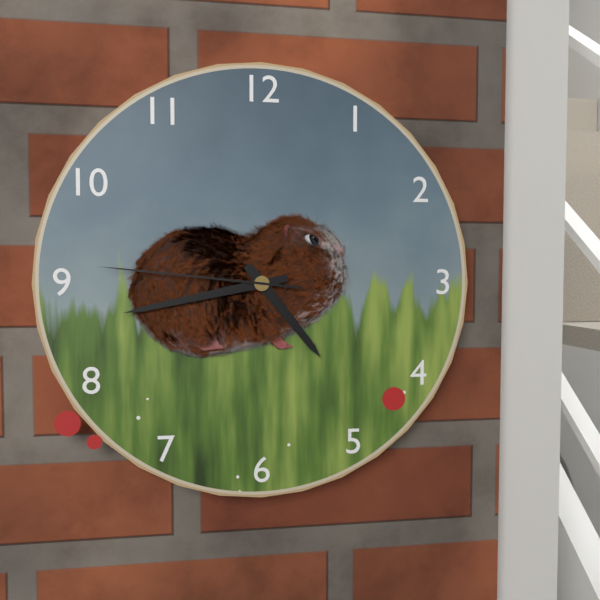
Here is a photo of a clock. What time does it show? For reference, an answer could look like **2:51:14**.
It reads **4:43:46**
